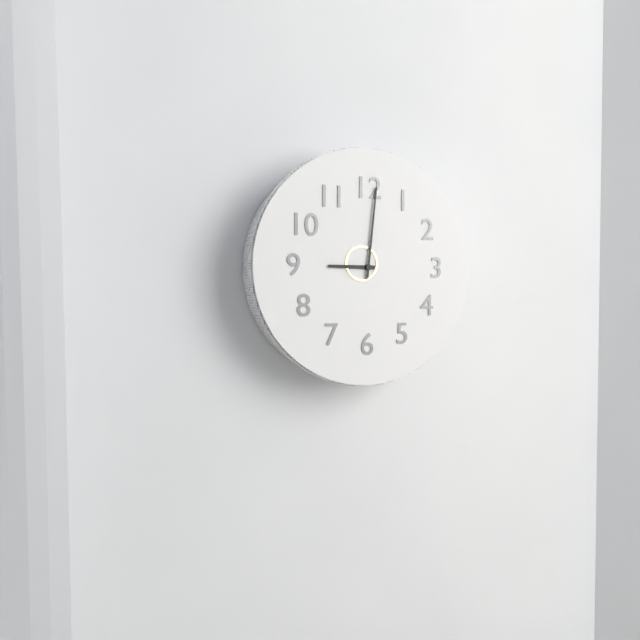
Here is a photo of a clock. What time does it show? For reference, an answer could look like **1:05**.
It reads **9:01**
